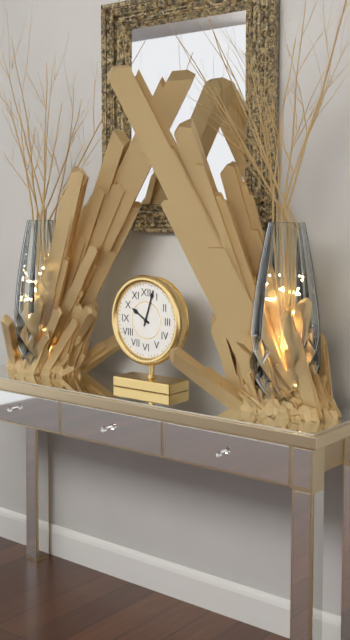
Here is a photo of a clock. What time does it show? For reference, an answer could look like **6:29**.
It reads **10:03**
